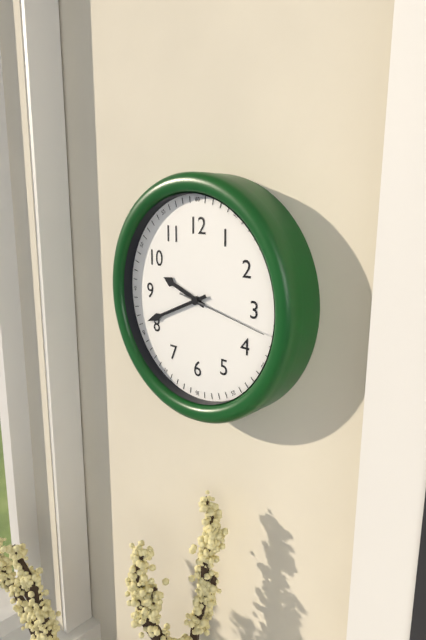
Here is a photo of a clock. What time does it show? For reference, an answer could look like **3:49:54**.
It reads **9:41:17**
